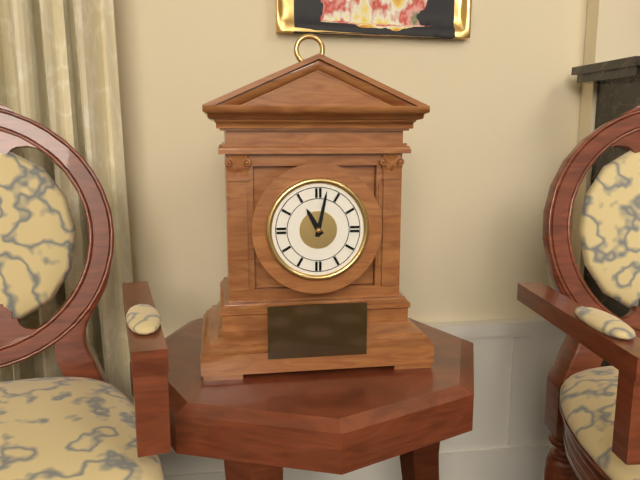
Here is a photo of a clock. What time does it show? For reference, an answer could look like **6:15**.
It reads **11:02**
